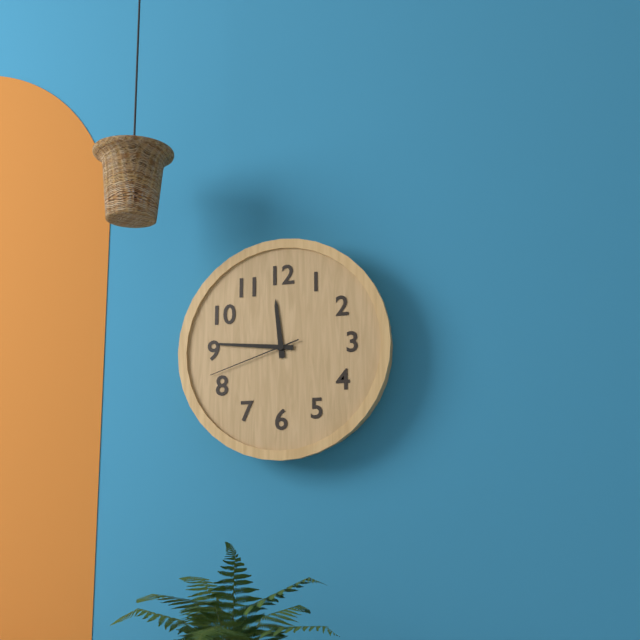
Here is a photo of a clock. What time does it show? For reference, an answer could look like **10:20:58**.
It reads **11:46:42**
